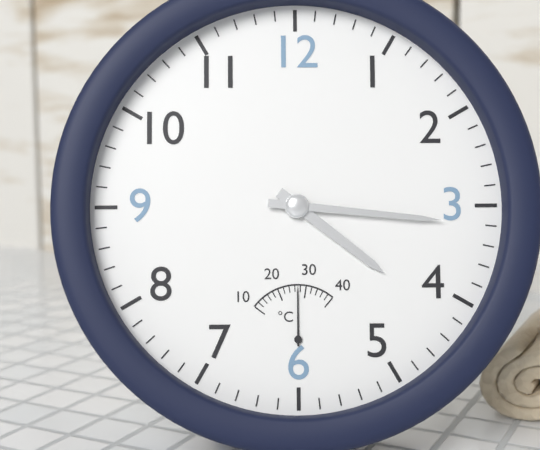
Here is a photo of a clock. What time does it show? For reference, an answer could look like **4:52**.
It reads **4:16**
